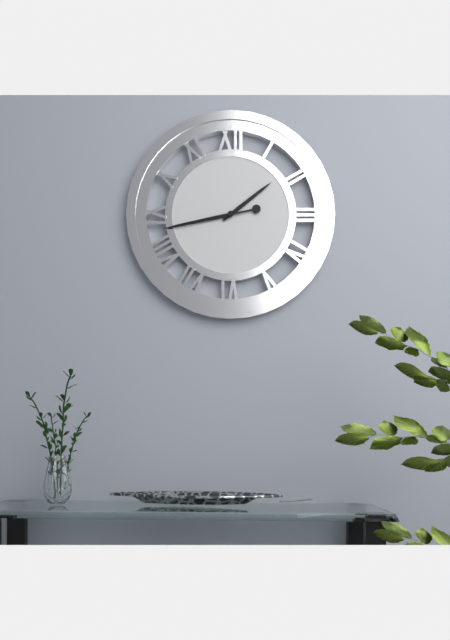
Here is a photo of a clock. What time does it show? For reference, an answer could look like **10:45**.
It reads **1:43**
